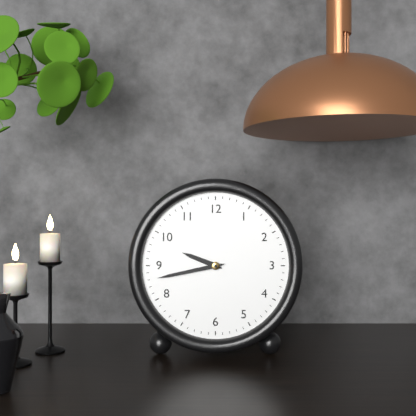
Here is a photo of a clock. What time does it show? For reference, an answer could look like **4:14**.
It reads **9:43**
